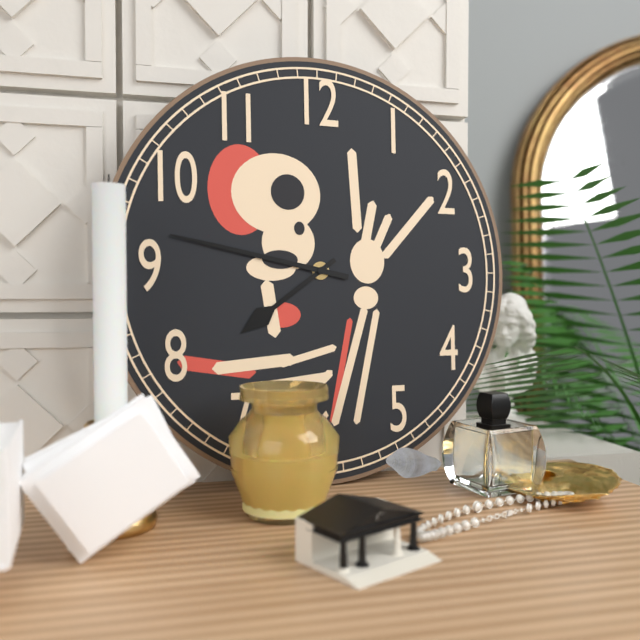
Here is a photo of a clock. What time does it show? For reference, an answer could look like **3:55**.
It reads **7:47**
